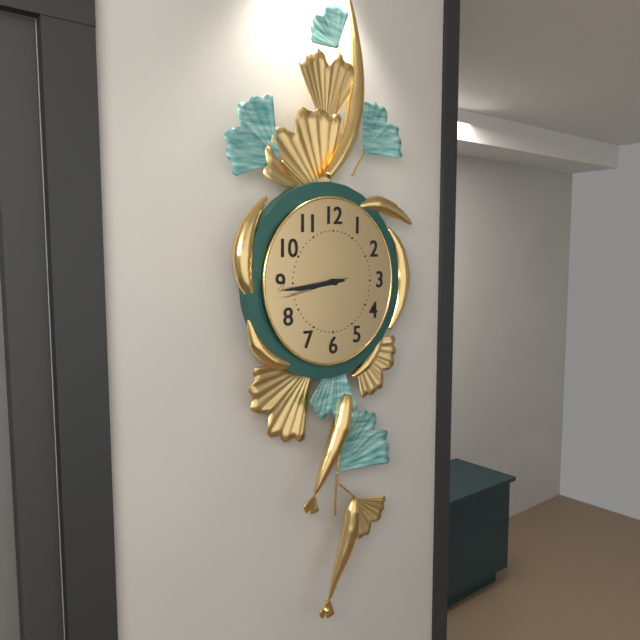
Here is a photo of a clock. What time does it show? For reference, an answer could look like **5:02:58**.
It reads **8:44:43**
